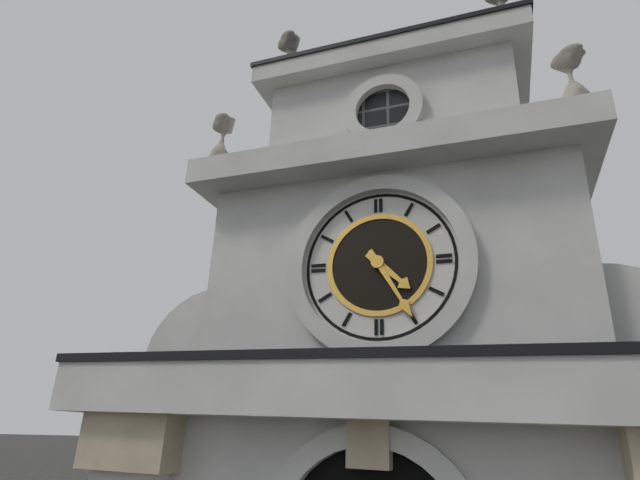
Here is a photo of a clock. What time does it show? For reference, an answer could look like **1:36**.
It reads **4:25**
